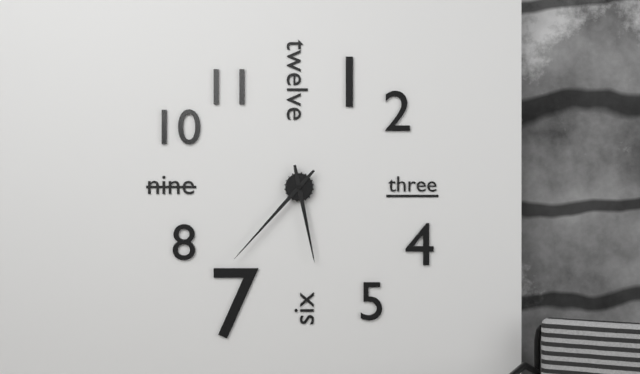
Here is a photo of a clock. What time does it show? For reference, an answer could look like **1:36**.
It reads **5:37**
